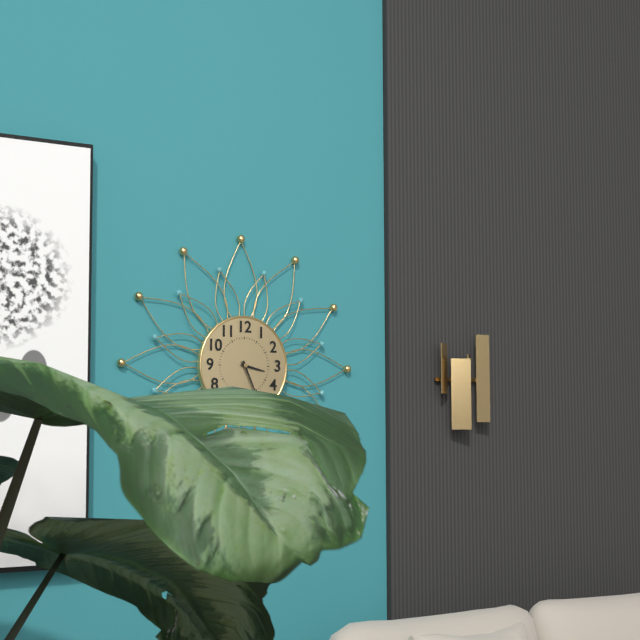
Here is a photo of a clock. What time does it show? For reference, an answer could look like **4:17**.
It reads **3:26**
